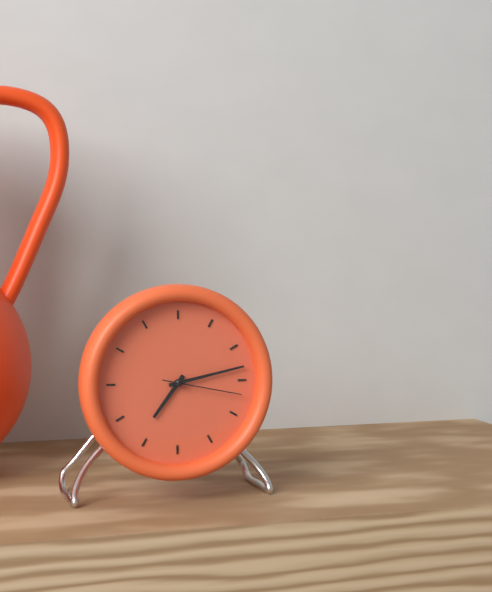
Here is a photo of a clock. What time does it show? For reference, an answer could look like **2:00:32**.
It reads **7:13:17**
